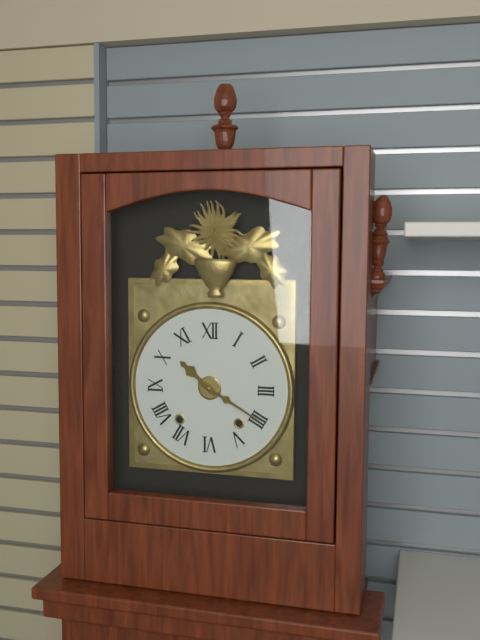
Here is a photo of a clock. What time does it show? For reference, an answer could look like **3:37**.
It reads **10:20**
